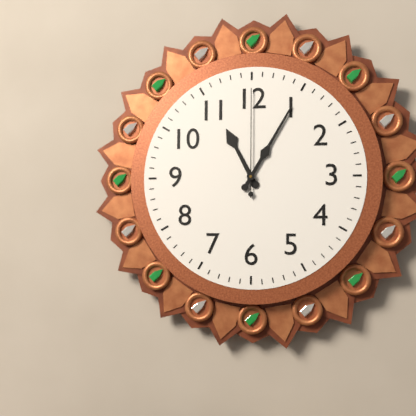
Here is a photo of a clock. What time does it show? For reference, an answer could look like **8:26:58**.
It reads **11:05:00**
